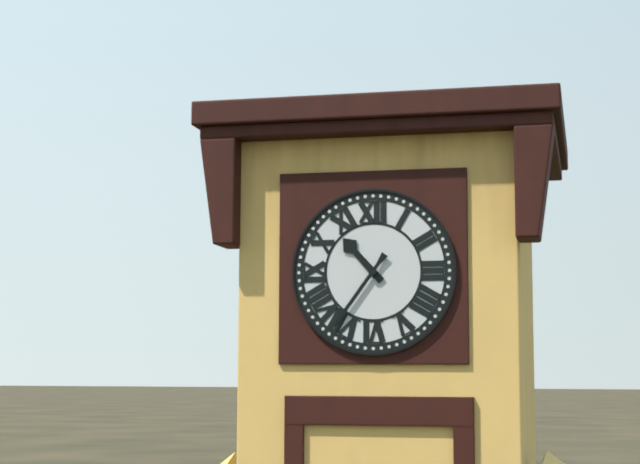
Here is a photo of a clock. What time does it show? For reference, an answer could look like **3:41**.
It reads **10:36**
